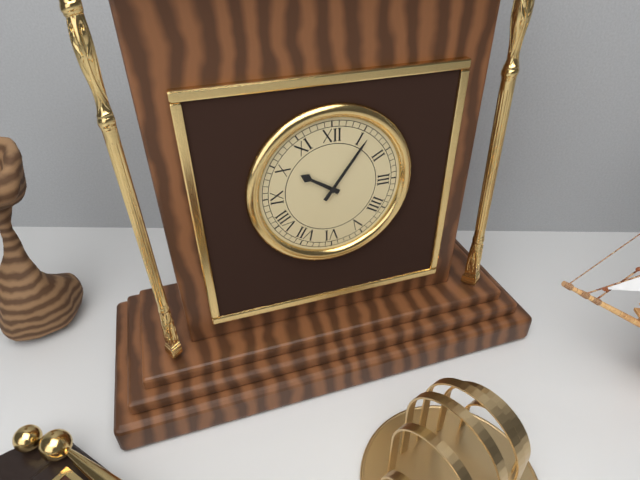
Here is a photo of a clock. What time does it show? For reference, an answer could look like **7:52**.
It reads **10:06**
